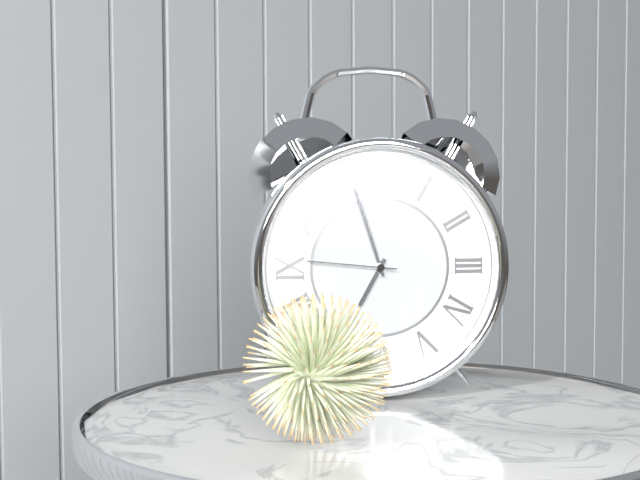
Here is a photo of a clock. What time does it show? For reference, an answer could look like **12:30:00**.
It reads **6:57:46**
